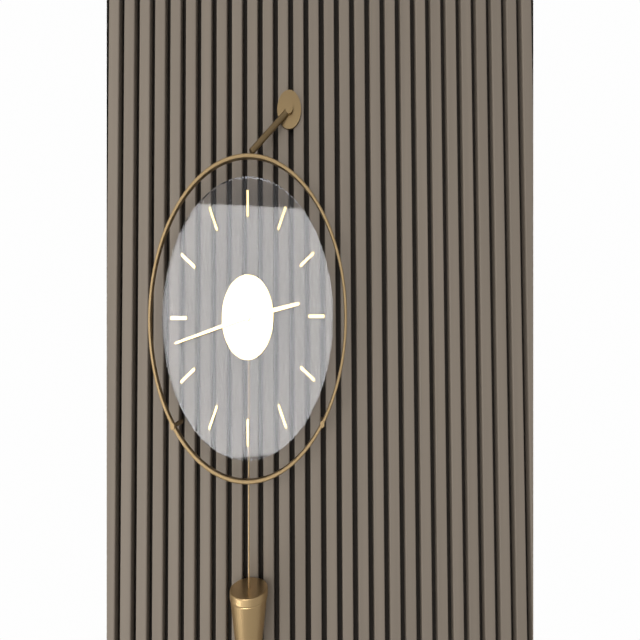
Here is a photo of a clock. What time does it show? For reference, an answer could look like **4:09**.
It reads **2:43**
